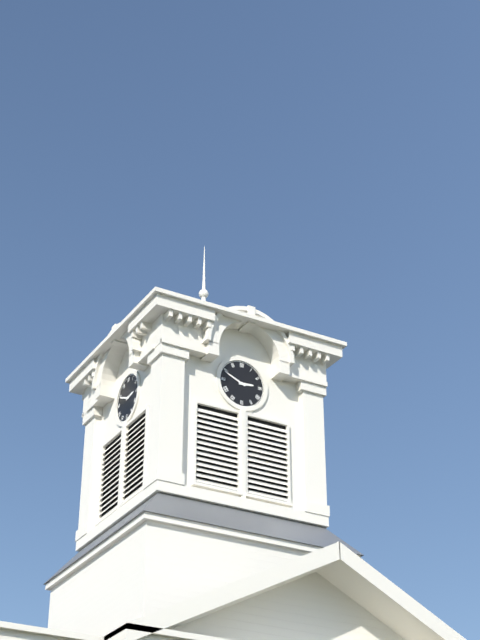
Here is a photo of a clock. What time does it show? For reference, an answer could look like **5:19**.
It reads **2:49**
